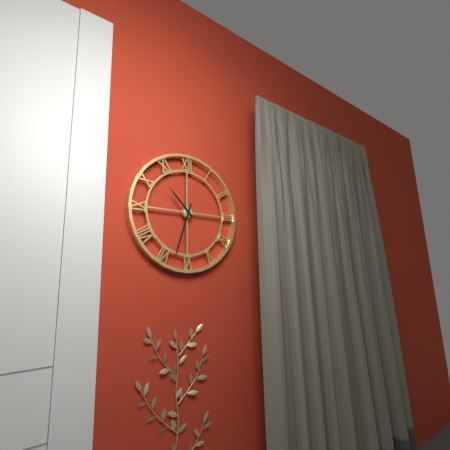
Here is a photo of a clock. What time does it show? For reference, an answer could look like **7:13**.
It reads **10:33**
